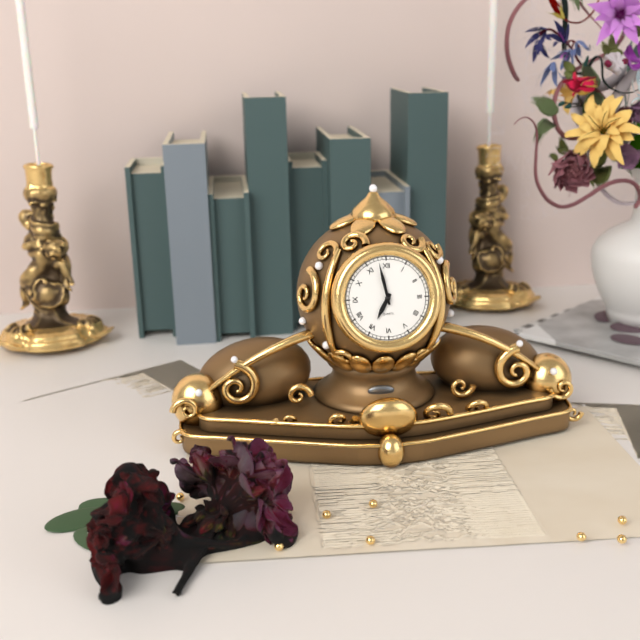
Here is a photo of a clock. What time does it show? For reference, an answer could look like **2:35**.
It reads **6:58**
